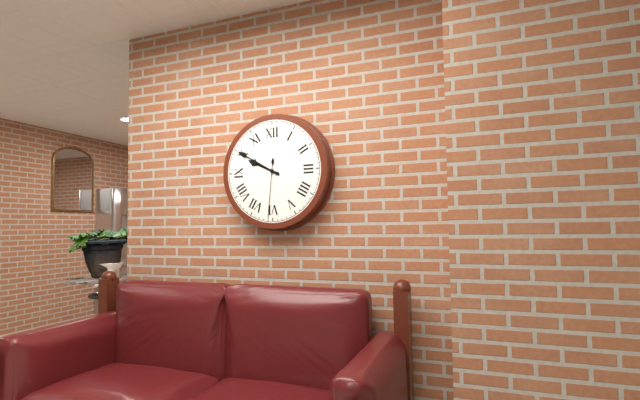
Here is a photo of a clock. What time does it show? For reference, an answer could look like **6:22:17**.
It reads **9:50:31**
